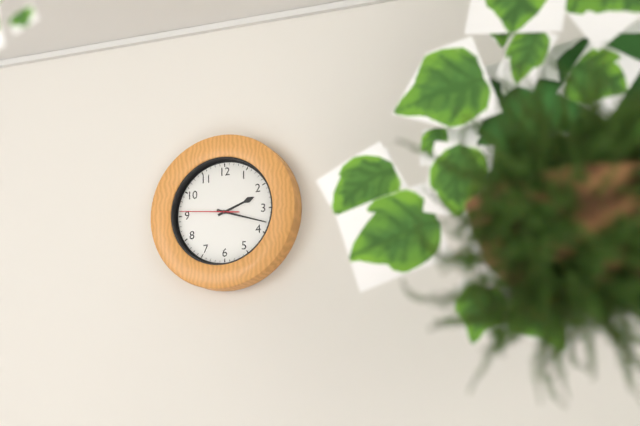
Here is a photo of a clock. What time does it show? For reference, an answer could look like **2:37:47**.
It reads **2:18:46**
